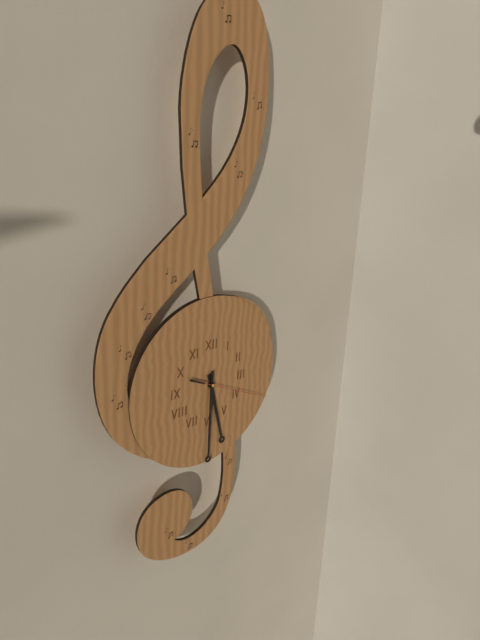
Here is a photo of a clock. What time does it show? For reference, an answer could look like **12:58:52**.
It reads **5:30:19**
